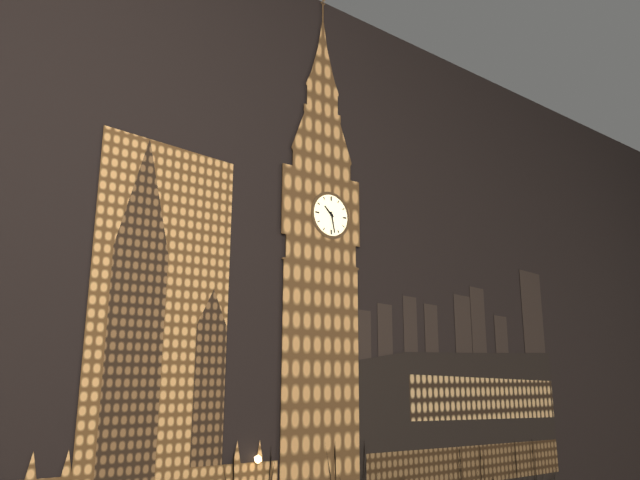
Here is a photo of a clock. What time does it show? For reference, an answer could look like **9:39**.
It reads **10:28**
